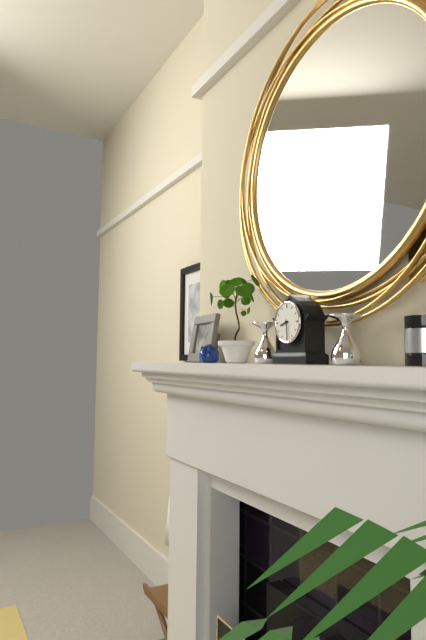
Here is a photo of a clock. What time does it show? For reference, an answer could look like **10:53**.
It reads **8:29**
